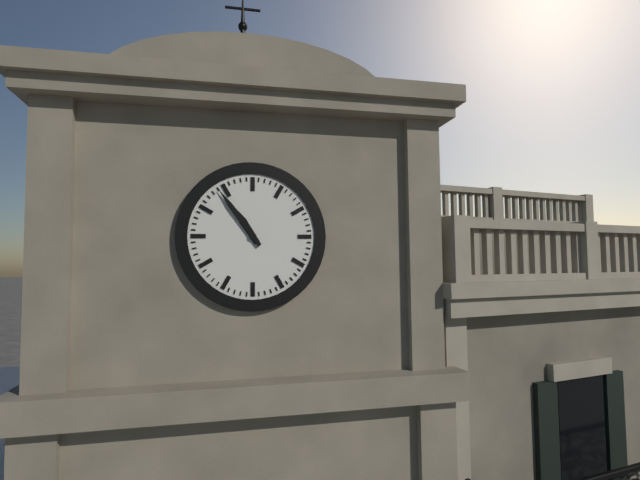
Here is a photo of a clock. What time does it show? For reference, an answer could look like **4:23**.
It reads **10:54**
